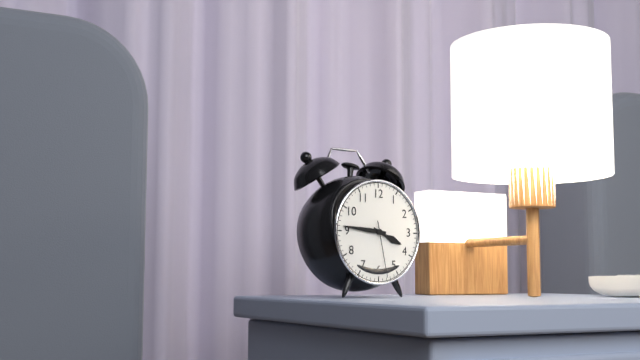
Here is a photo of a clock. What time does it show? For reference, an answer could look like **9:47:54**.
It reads **3:46:28**
